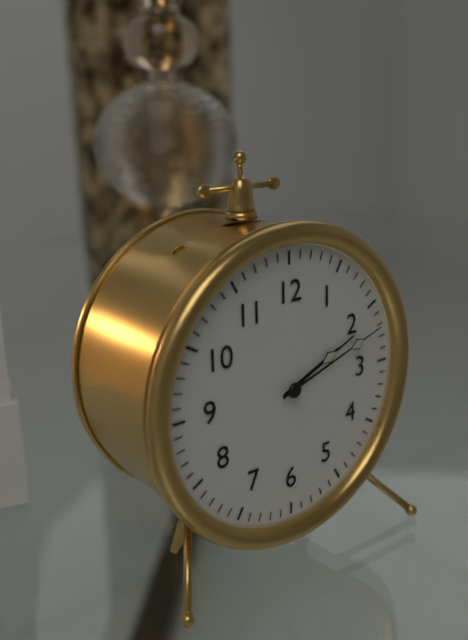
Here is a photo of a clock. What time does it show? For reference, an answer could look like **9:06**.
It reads **2:12**
